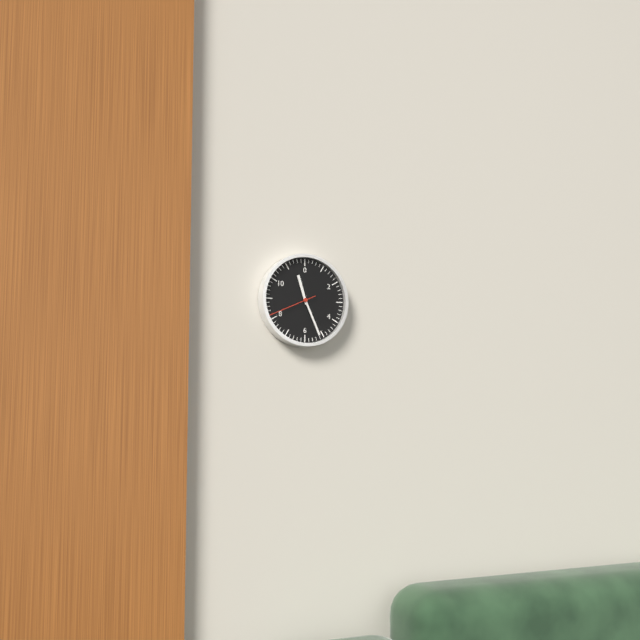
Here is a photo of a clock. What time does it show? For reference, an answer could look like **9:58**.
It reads **11:26**
